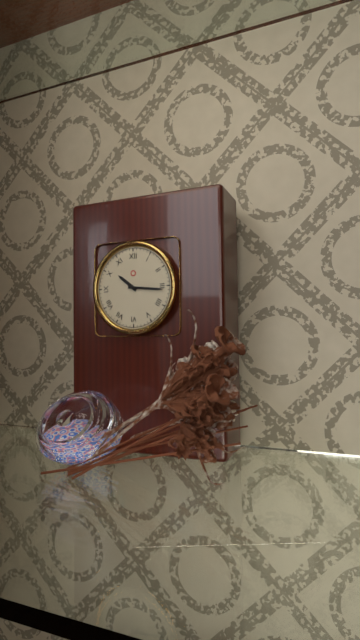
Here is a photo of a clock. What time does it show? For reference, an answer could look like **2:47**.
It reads **10:16**
